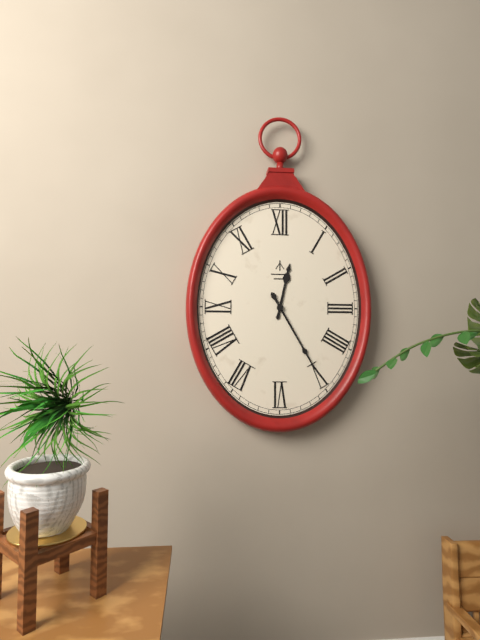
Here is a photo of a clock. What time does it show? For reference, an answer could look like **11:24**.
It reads **12:25**
